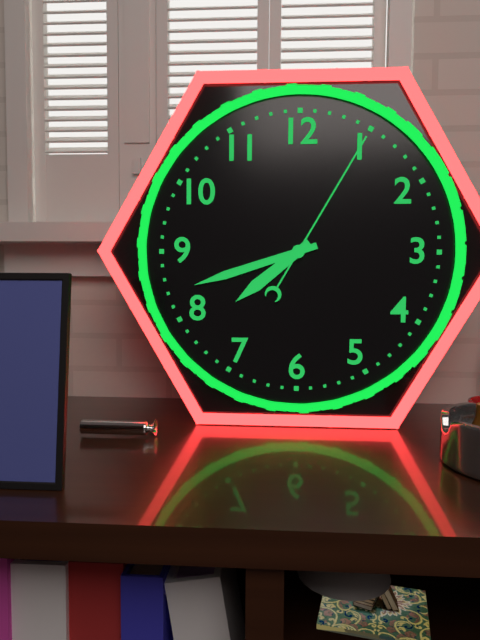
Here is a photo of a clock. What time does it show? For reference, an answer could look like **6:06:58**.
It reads **7:42:05**
